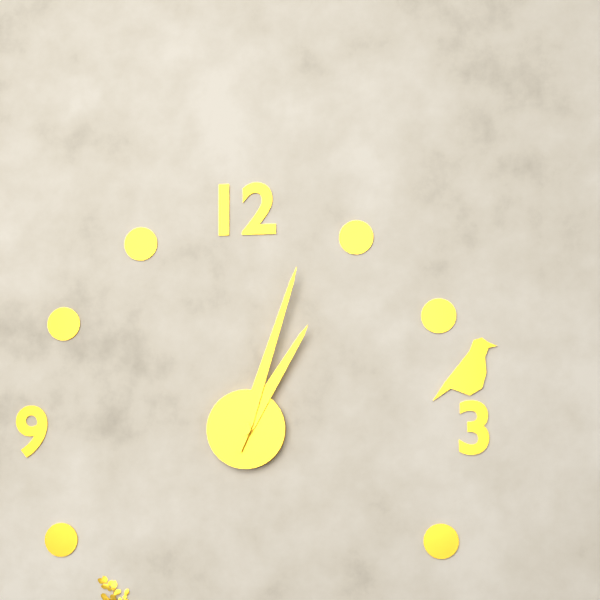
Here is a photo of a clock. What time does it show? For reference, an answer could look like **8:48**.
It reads **1:03**
